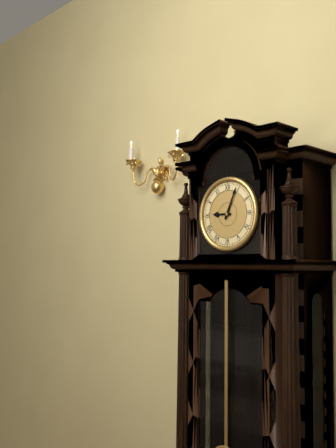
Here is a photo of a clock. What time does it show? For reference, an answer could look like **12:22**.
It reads **9:04**
